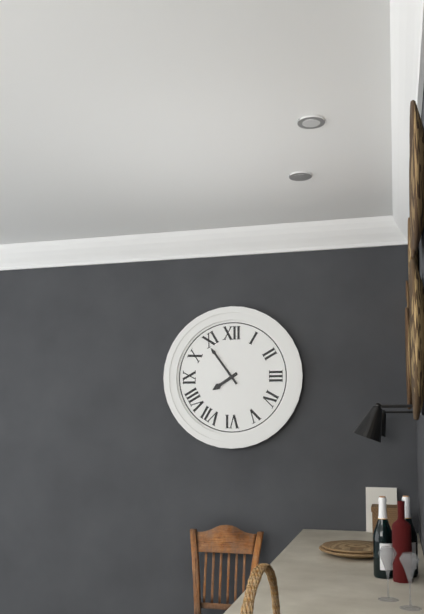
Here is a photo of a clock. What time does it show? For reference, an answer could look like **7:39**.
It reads **7:54**
